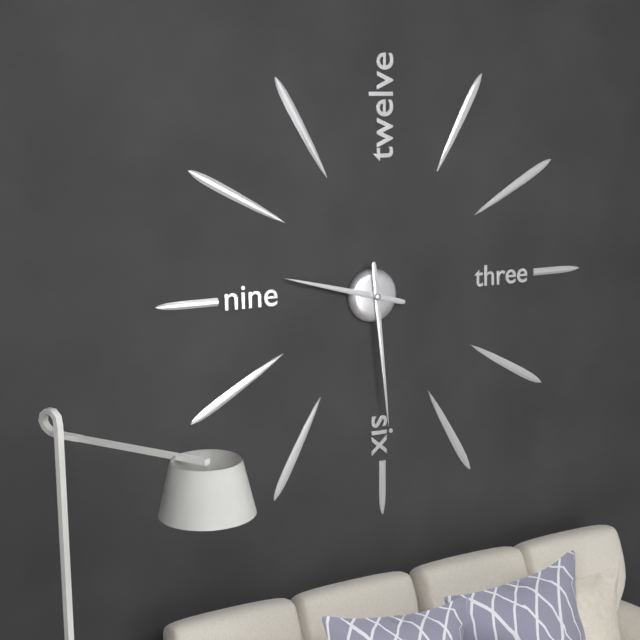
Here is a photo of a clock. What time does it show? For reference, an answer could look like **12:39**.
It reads **9:29**
